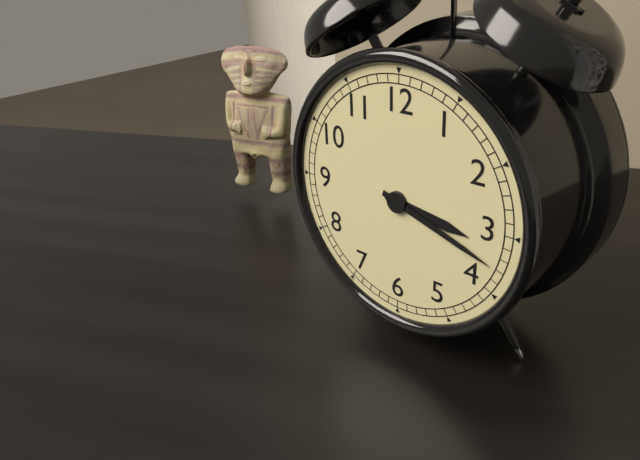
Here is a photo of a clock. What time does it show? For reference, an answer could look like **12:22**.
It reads **3:18**
